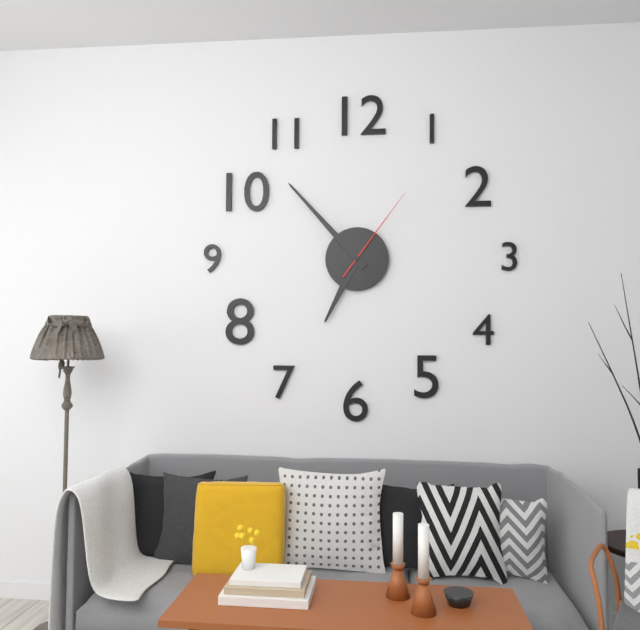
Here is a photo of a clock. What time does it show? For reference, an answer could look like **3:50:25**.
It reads **6:53:06**
